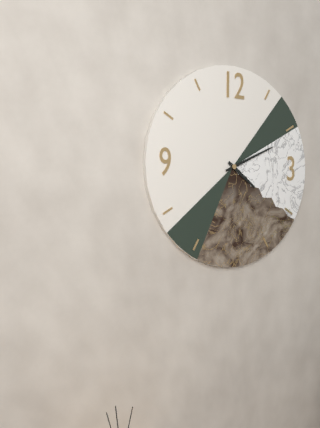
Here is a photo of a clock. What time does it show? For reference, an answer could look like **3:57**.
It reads **4:11**
